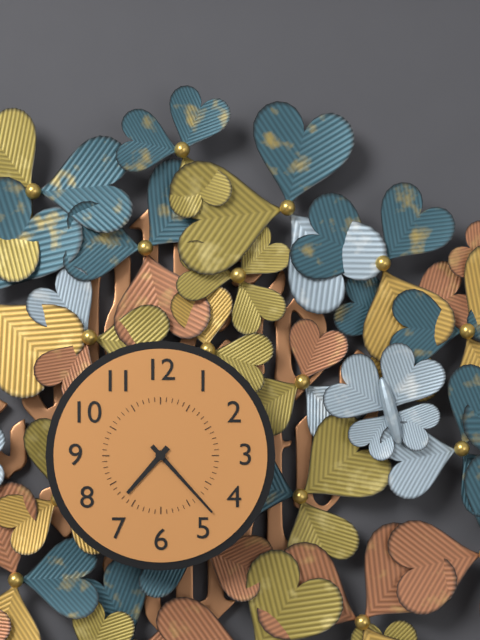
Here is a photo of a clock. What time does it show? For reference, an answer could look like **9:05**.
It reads **7:23**
